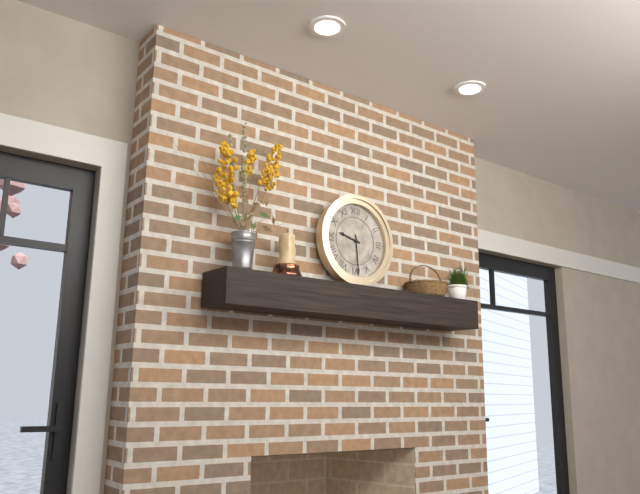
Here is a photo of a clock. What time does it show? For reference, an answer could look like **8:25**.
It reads **9:29**
